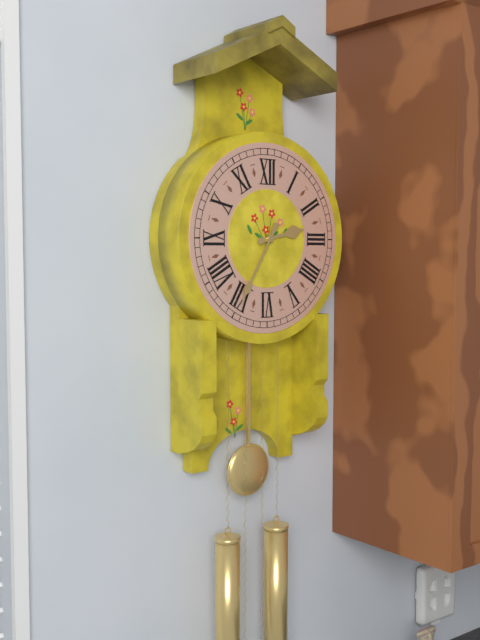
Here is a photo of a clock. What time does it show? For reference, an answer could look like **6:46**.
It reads **2:35**
